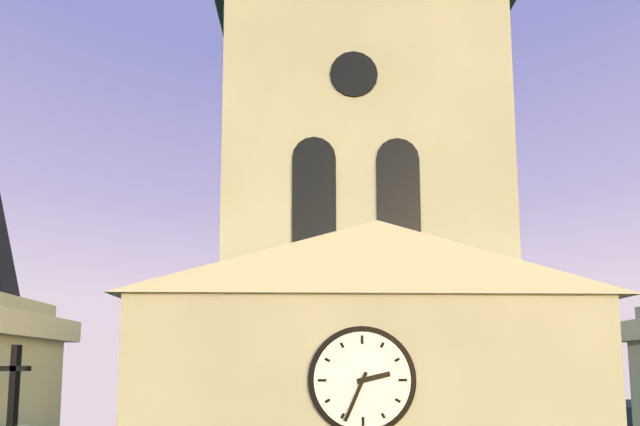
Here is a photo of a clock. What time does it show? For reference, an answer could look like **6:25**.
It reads **2:34**
